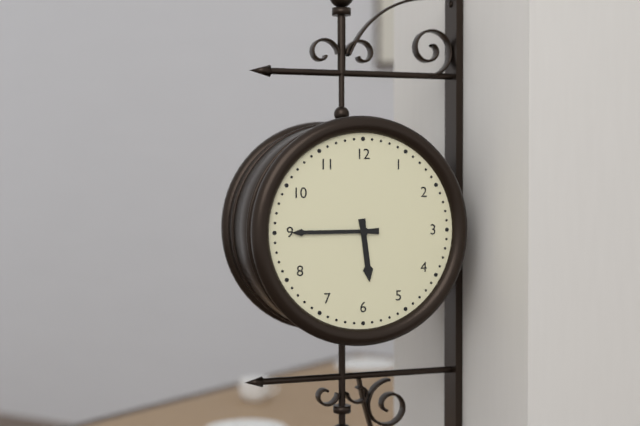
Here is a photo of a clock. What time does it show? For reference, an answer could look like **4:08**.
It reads **5:45**
